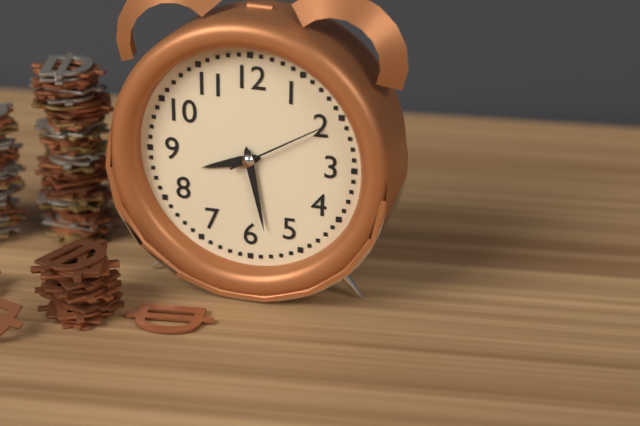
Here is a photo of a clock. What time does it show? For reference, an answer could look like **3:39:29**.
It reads **8:28:10**
